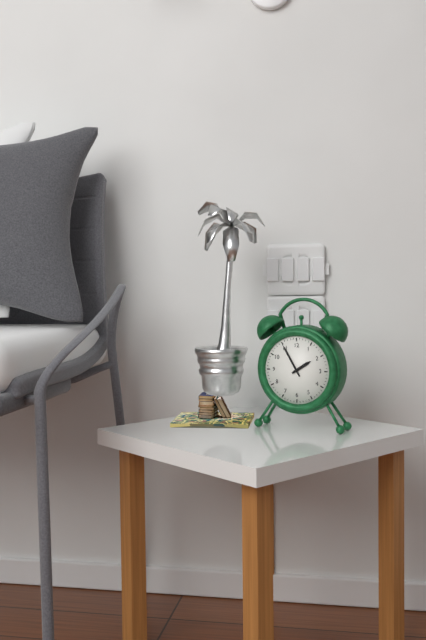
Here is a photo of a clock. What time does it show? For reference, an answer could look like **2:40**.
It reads **1:55**
